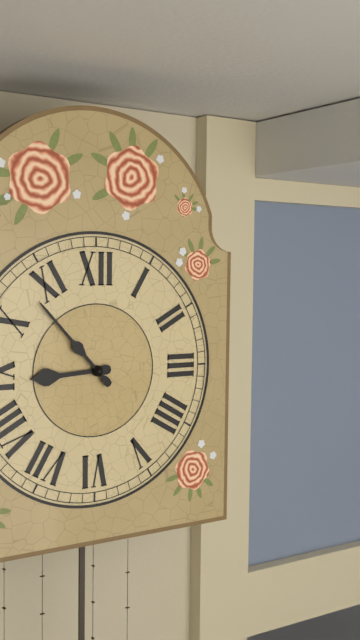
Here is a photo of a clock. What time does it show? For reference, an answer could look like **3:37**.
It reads **8:53**
